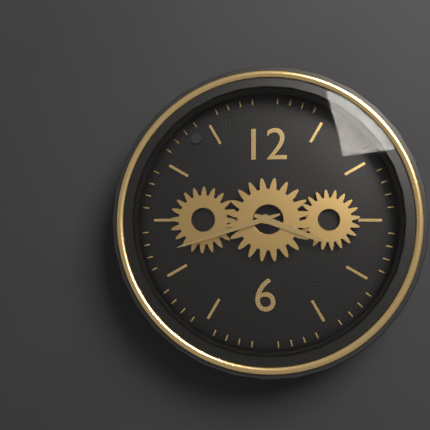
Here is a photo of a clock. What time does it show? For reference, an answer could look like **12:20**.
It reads **3:42**
